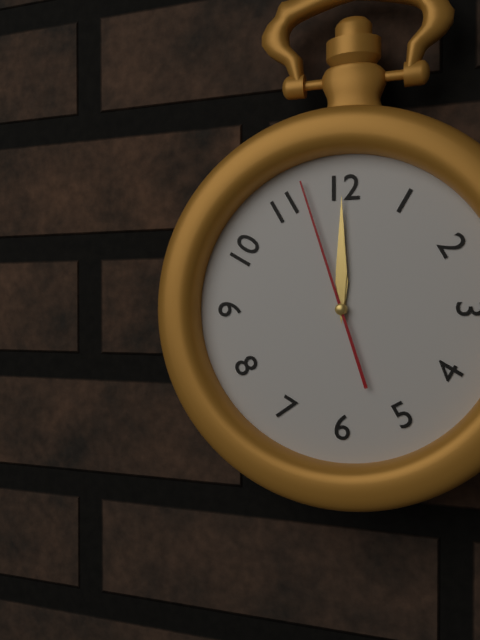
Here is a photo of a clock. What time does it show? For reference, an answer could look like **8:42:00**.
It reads **12:00:57**
